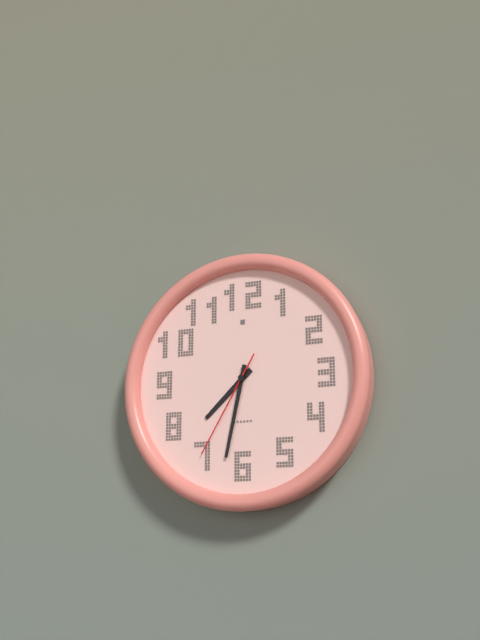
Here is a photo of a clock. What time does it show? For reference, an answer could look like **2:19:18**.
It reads **7:32:35**
